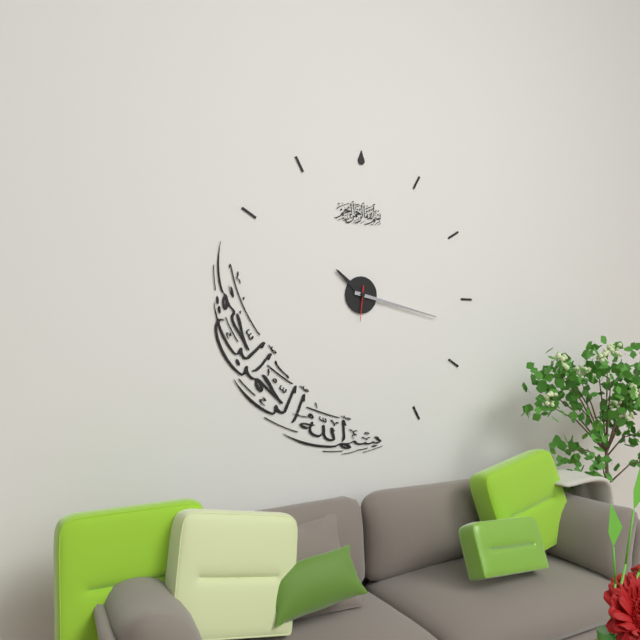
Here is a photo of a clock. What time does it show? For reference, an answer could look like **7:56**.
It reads **10:17**
